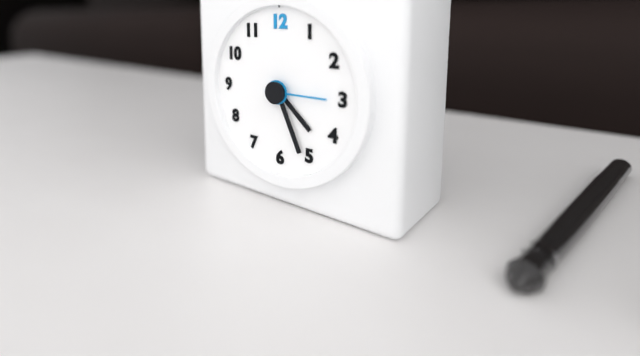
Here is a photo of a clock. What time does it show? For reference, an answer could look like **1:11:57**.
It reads **4:26:15**
